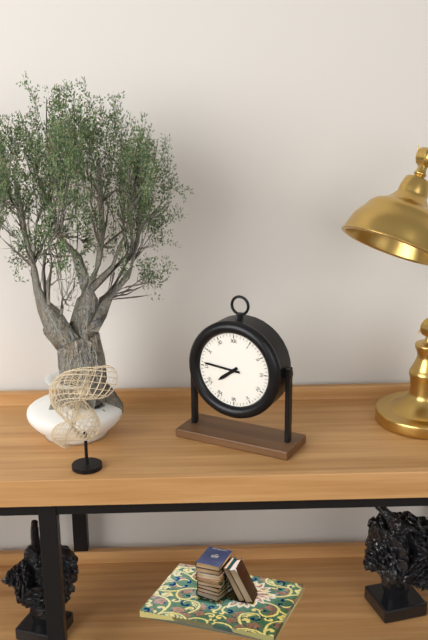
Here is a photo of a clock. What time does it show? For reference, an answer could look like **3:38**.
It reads **7:46**
